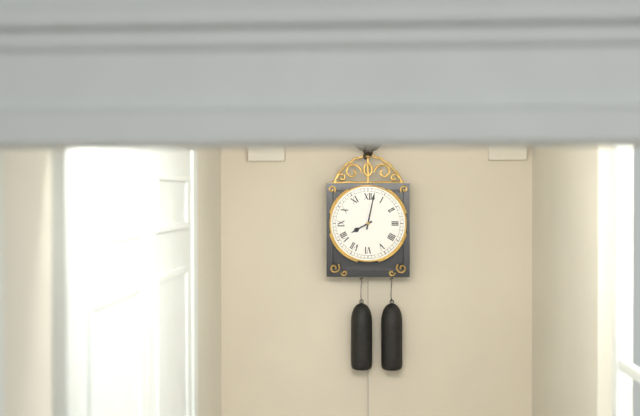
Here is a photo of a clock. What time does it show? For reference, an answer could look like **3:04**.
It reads **8:02**
